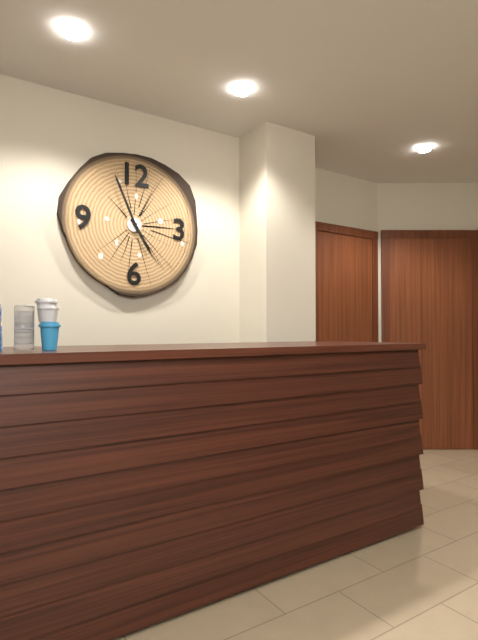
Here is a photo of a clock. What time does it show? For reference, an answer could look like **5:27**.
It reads **4:56**
